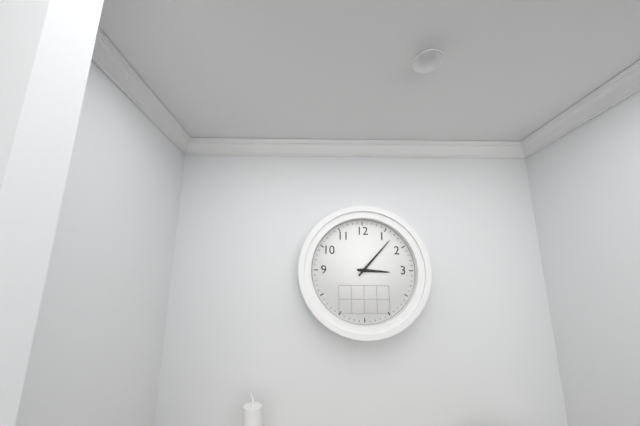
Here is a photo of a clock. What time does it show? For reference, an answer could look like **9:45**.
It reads **3:07**
